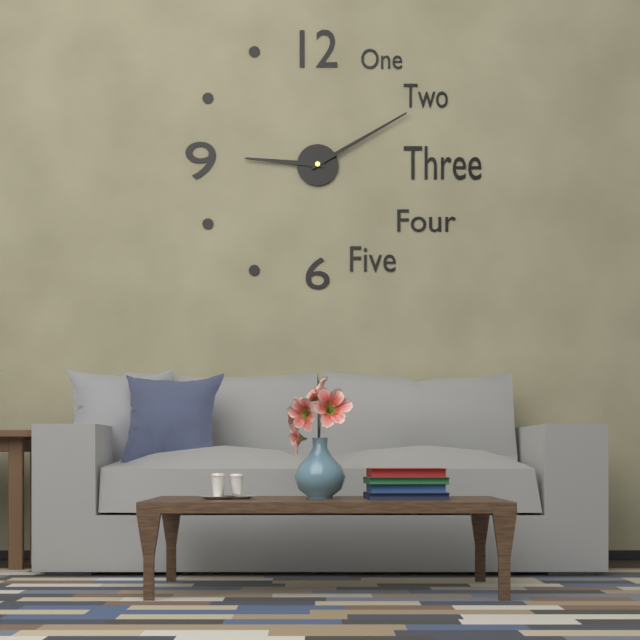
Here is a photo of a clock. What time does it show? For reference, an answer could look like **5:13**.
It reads **9:10**
